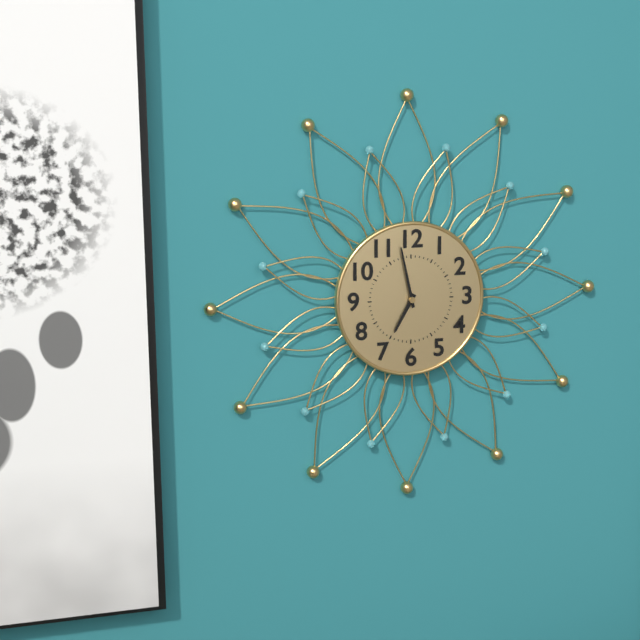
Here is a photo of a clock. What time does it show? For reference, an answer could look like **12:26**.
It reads **6:58**
